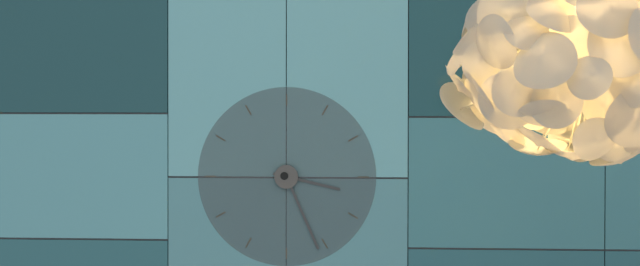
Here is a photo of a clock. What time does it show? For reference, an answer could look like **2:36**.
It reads **3:26**
